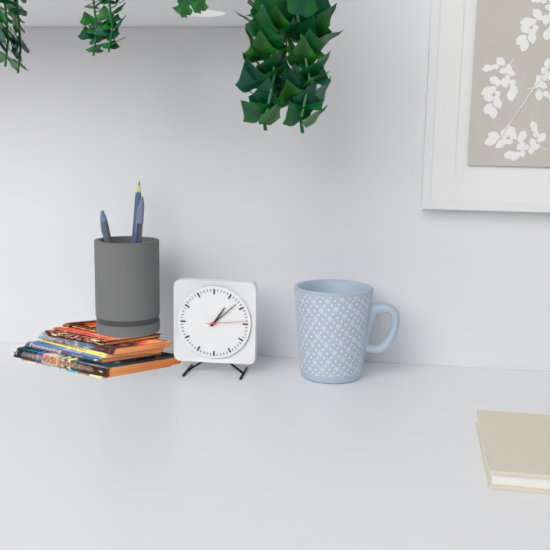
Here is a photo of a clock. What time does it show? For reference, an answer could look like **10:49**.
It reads **1:08**
